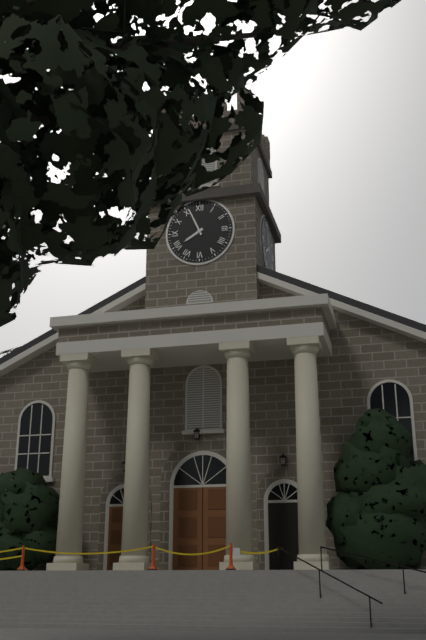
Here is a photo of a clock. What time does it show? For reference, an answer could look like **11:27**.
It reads **7:56**
